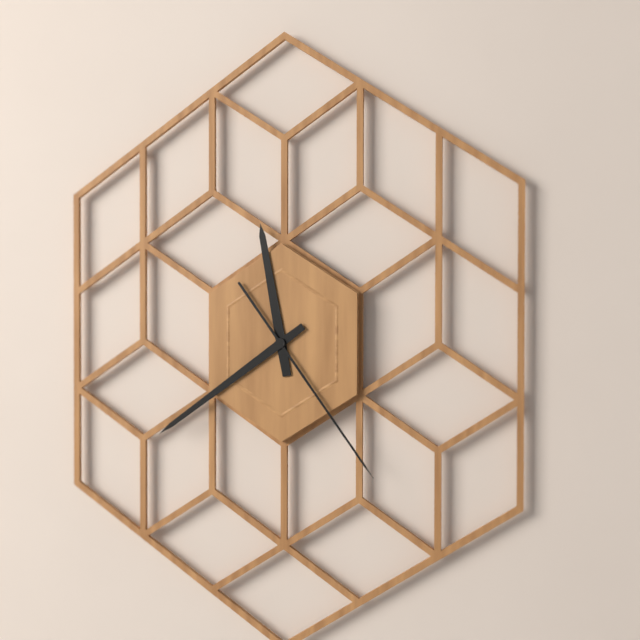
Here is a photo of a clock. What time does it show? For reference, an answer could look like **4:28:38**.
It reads **11:39:24**
